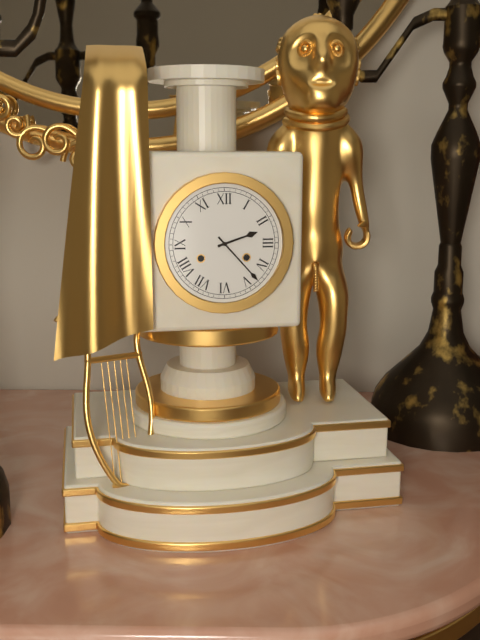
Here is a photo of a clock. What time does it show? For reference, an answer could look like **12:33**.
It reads **2:23**
